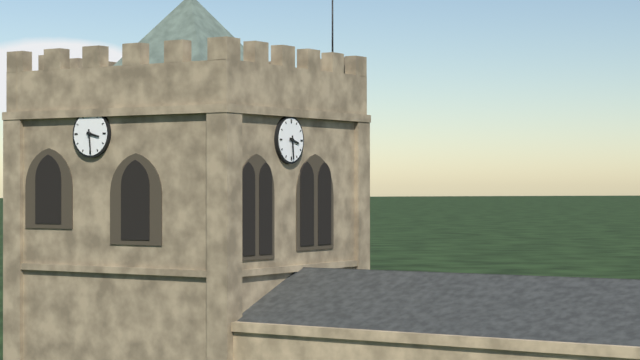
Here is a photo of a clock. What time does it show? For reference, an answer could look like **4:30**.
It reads **3:29**
